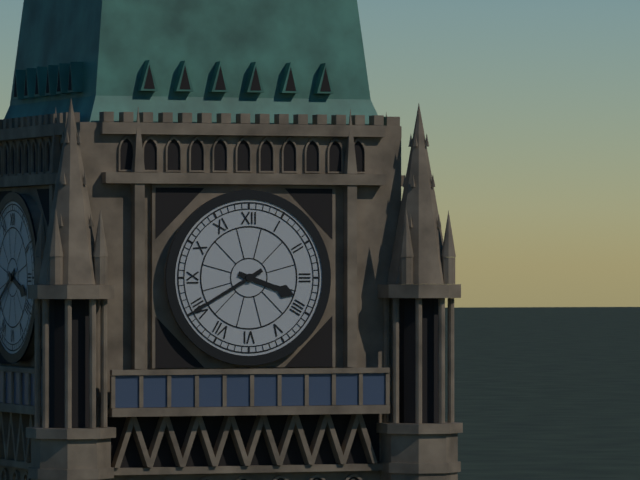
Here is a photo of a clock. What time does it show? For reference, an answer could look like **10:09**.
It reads **3:40**
